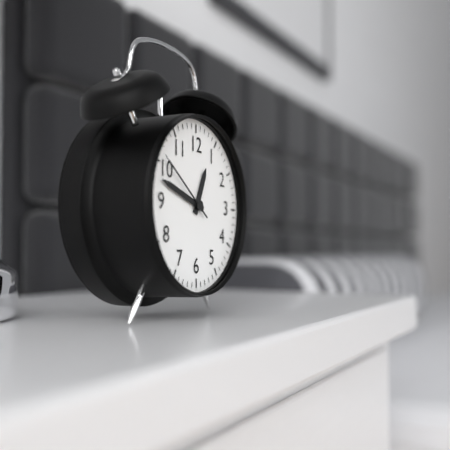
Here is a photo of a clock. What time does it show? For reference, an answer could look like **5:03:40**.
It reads **12:48:51**
